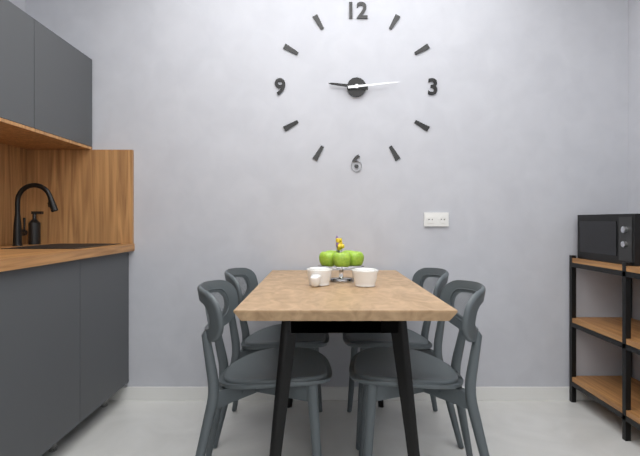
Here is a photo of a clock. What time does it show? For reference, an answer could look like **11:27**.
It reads **9:14**
